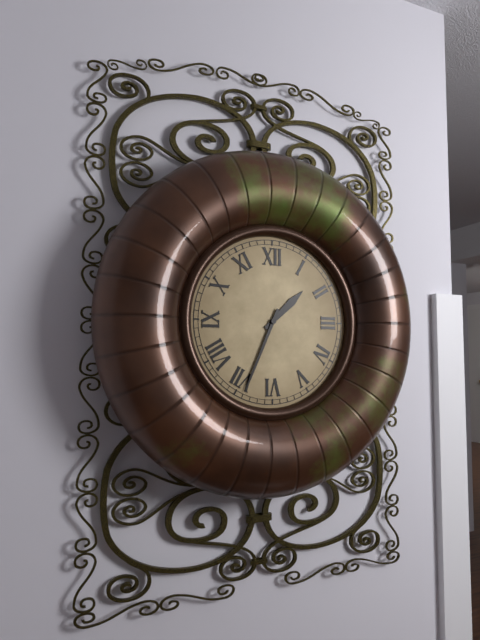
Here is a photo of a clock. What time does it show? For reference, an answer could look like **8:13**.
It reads **1:34**
